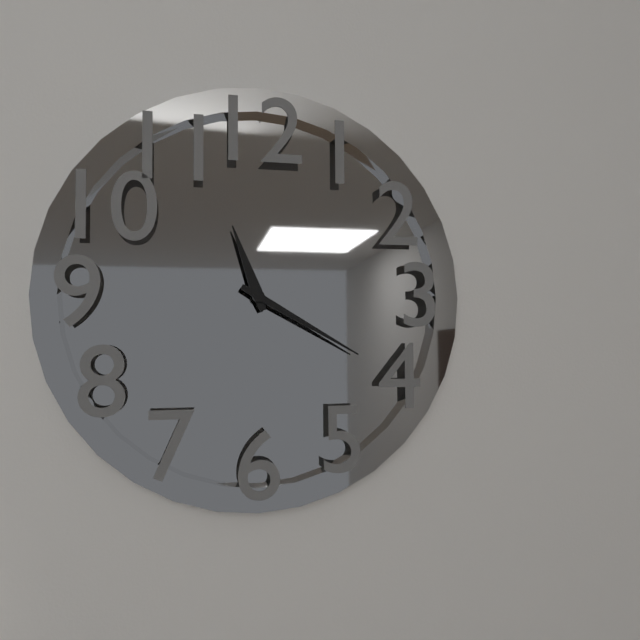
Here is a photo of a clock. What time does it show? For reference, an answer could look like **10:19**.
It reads **11:20**
